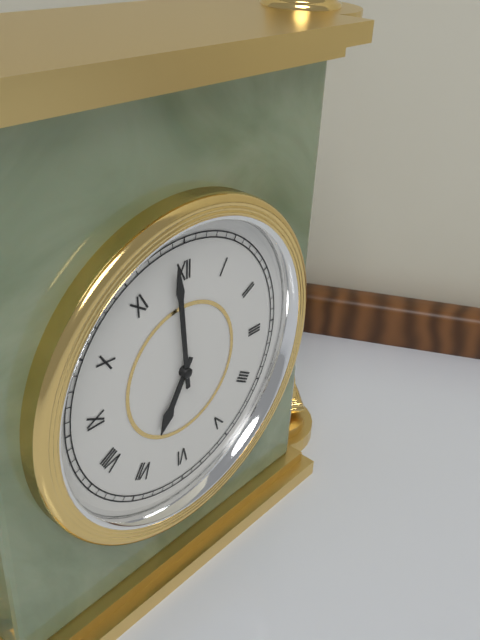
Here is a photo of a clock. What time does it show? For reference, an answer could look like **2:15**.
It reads **6:59**
